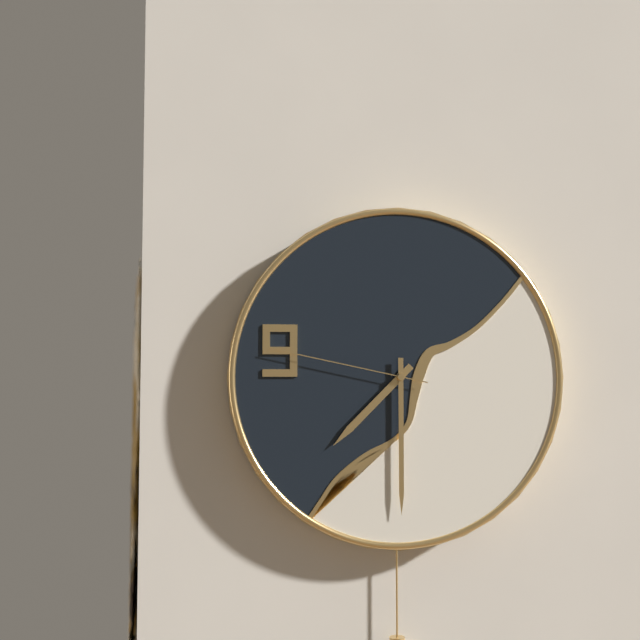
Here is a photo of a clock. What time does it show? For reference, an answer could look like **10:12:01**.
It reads **7:30:47**
